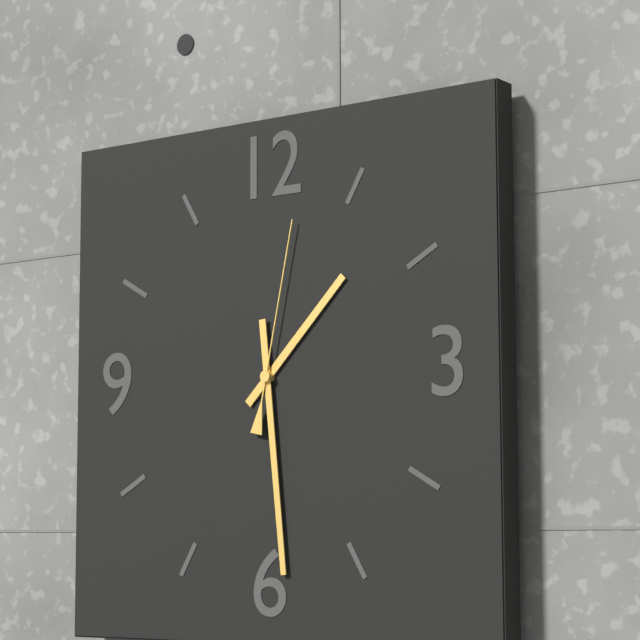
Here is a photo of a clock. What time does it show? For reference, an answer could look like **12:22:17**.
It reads **1:29:02**
